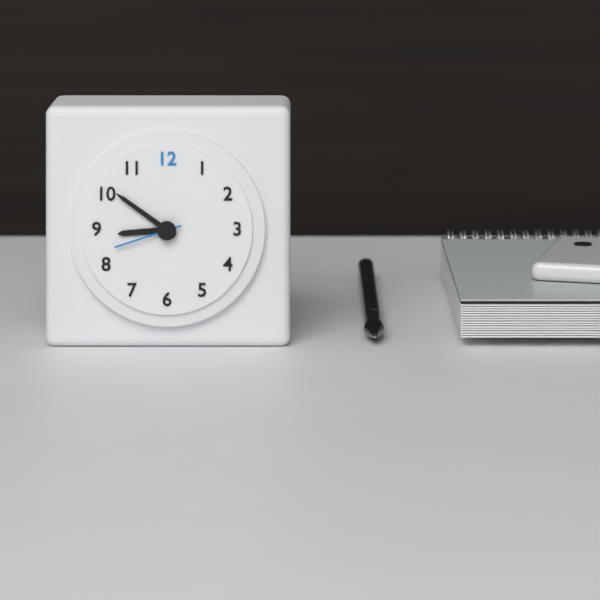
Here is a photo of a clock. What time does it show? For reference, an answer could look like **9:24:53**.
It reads **8:51:42**
